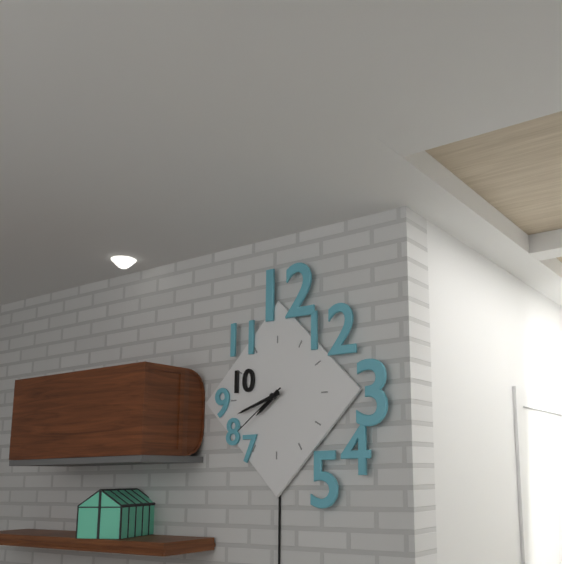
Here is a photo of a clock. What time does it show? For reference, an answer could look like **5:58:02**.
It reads **7:42:39**
